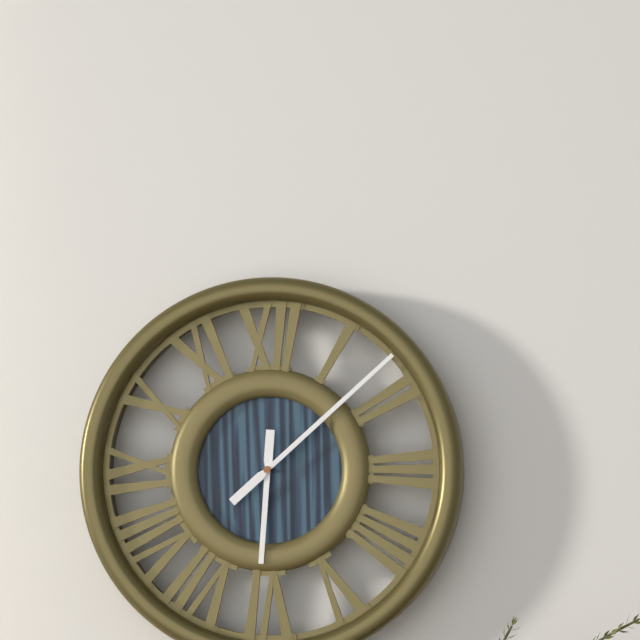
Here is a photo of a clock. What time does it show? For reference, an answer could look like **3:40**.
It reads **6:08**
